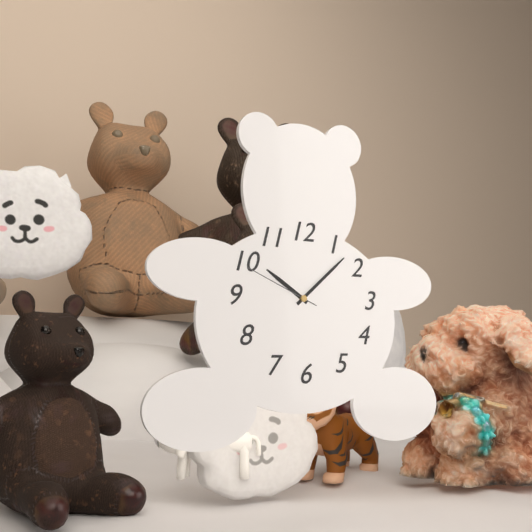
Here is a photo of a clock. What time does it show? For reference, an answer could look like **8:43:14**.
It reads **10:08:49**
